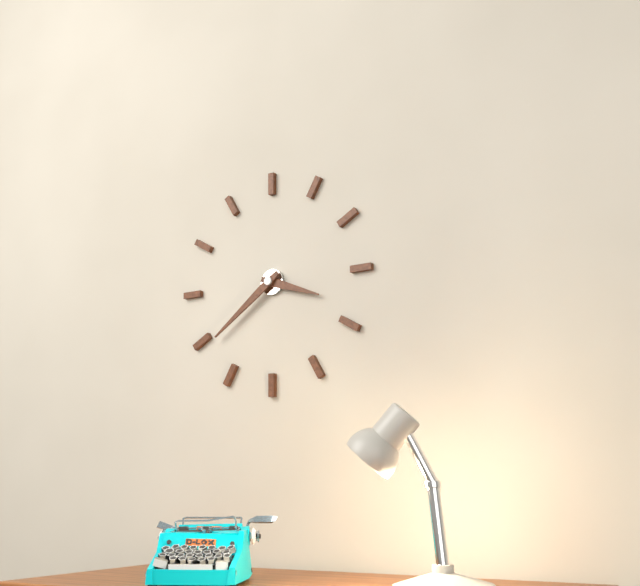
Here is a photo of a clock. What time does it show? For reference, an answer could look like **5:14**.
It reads **3:39**
